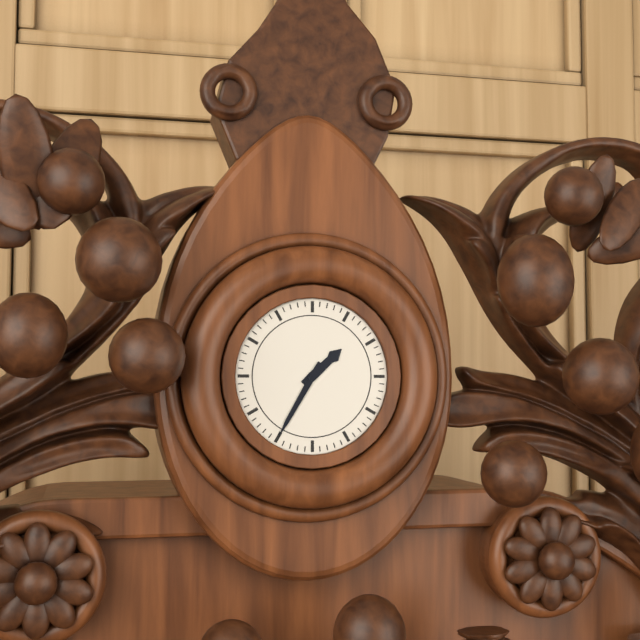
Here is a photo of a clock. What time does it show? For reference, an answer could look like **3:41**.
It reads **1:35**
